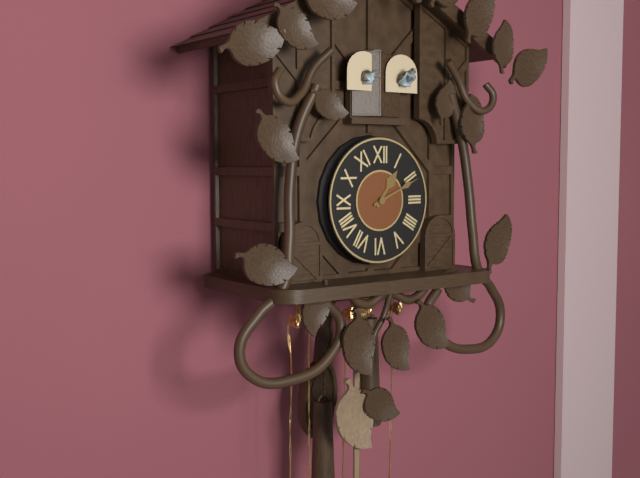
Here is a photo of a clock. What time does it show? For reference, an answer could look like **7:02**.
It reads **1:11**
